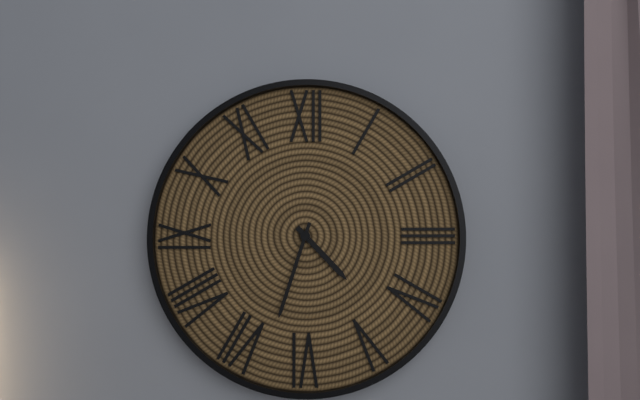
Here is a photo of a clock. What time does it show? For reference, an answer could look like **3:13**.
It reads **4:33**
